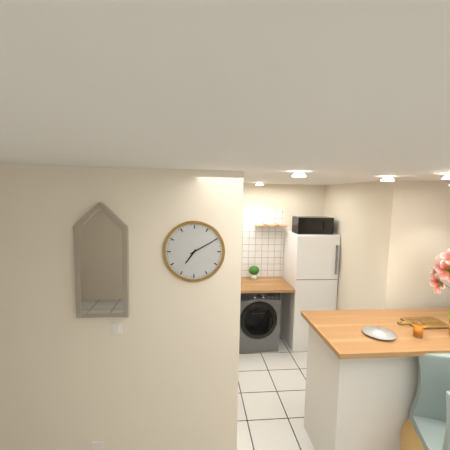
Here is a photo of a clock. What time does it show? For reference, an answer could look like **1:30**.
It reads **7:10**
